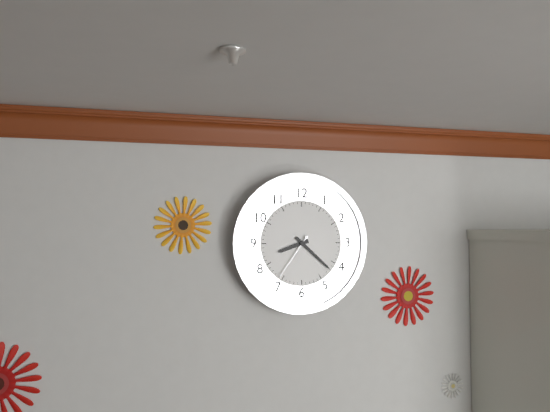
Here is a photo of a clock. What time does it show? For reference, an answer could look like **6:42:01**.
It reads **8:22:36**
